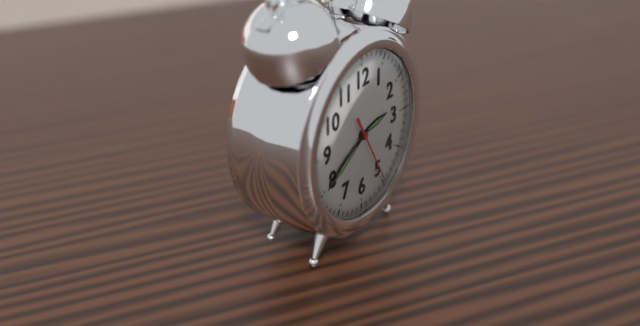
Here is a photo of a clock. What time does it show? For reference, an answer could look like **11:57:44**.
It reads **2:40:25**
